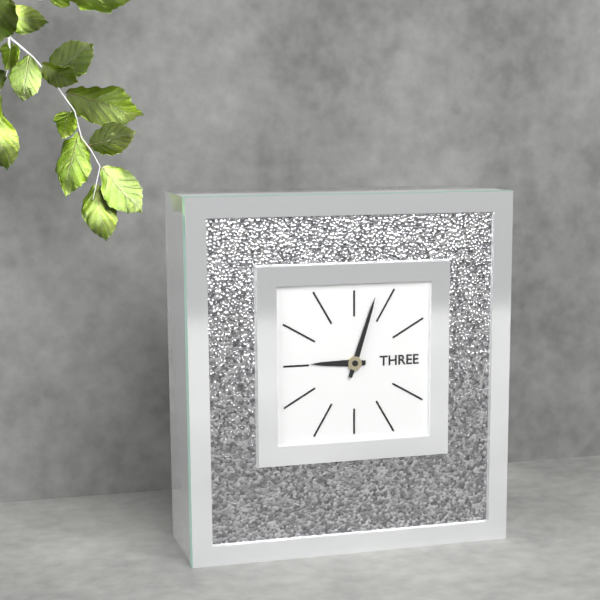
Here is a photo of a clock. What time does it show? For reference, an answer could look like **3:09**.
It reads **9:03**
